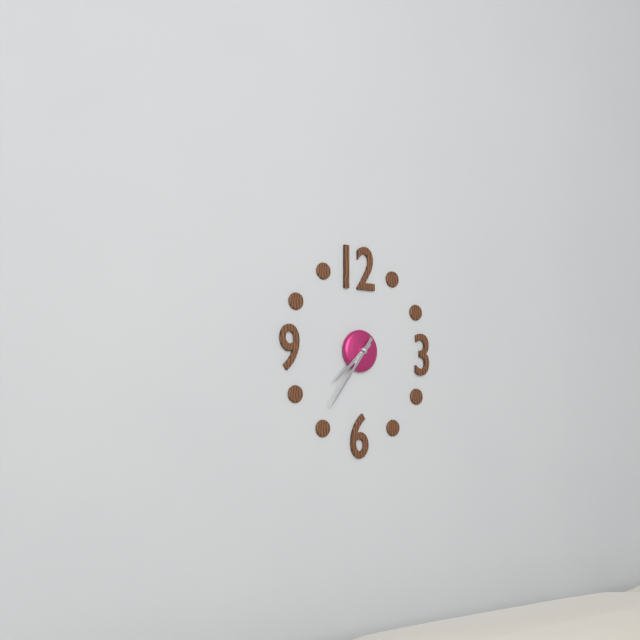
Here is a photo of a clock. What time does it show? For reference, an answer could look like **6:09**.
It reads **7:36**
